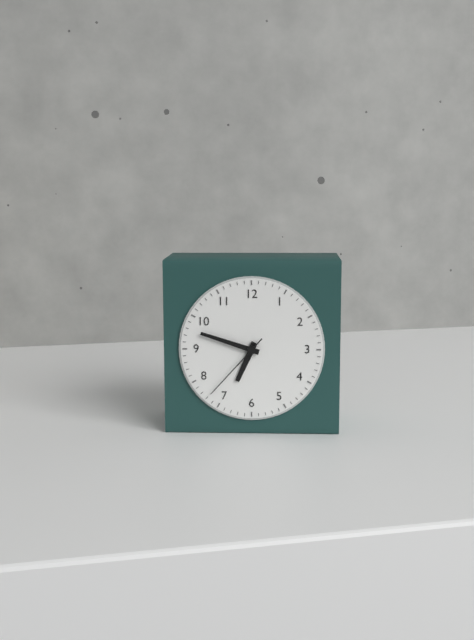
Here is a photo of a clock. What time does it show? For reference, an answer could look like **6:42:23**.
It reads **6:48:37**
